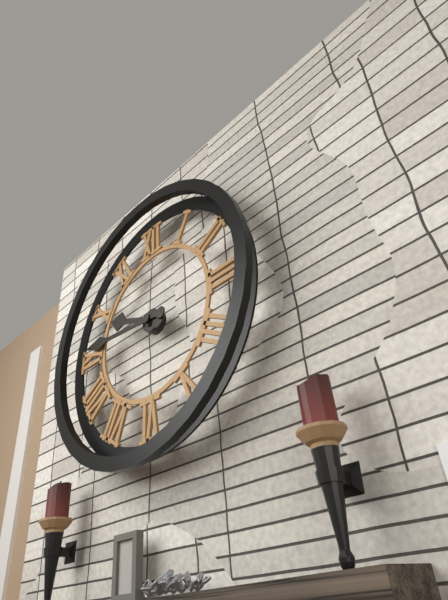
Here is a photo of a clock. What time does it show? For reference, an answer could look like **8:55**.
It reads **9:46**
